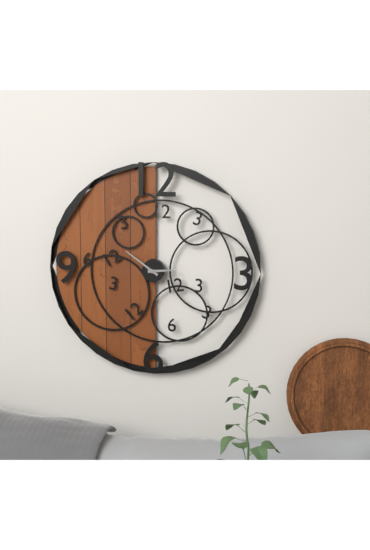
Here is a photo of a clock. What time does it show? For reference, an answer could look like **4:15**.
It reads **2:51**
